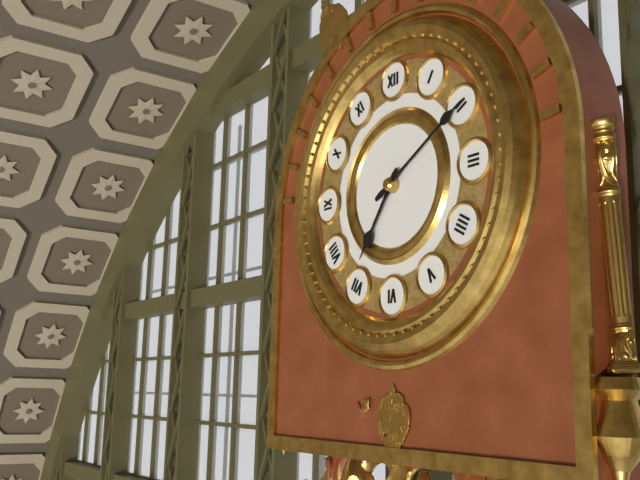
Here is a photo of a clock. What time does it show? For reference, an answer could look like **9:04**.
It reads **7:10**
